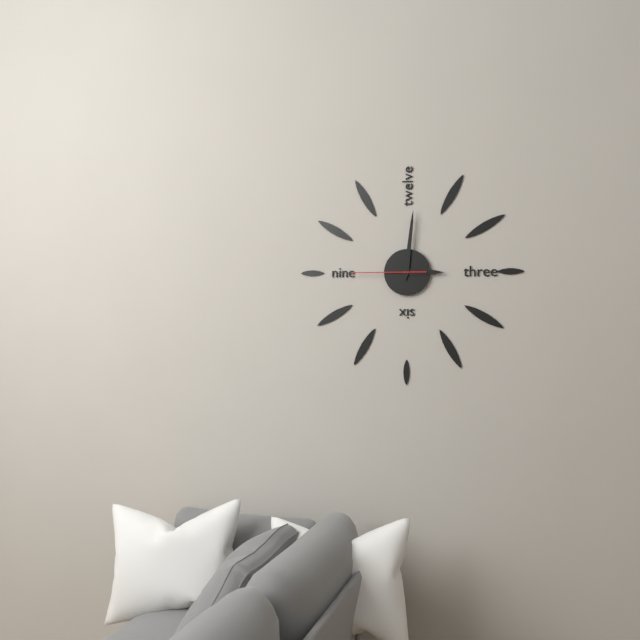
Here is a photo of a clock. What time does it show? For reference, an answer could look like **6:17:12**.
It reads **3:01:45**
